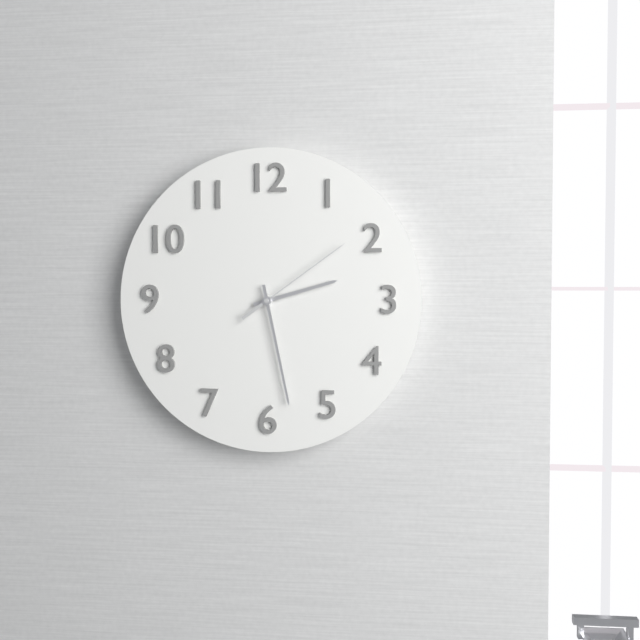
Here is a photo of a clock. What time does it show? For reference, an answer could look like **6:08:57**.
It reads **2:28:09**
